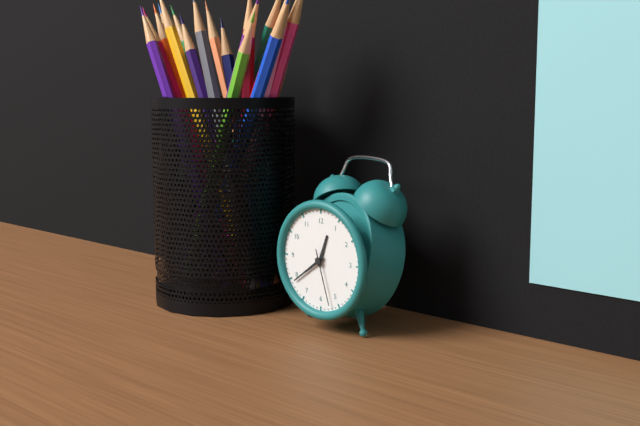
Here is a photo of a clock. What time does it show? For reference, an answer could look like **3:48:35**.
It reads **12:39:27**
